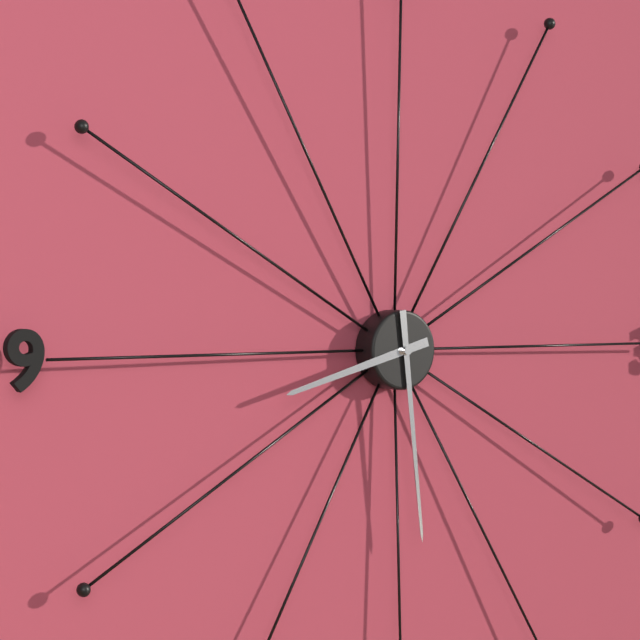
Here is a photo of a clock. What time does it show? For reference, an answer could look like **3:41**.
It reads **8:29**
